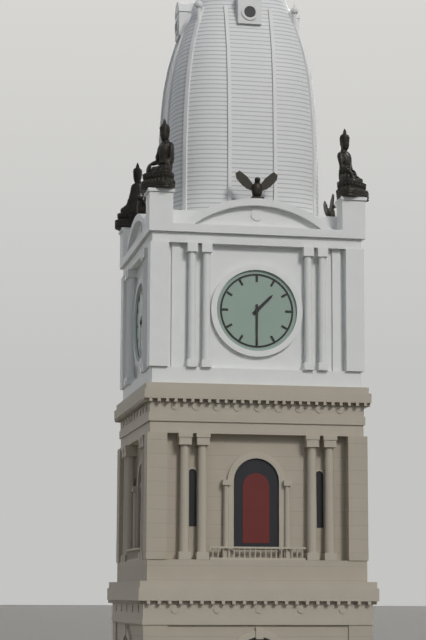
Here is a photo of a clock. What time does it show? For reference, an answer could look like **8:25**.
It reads **1:30**
